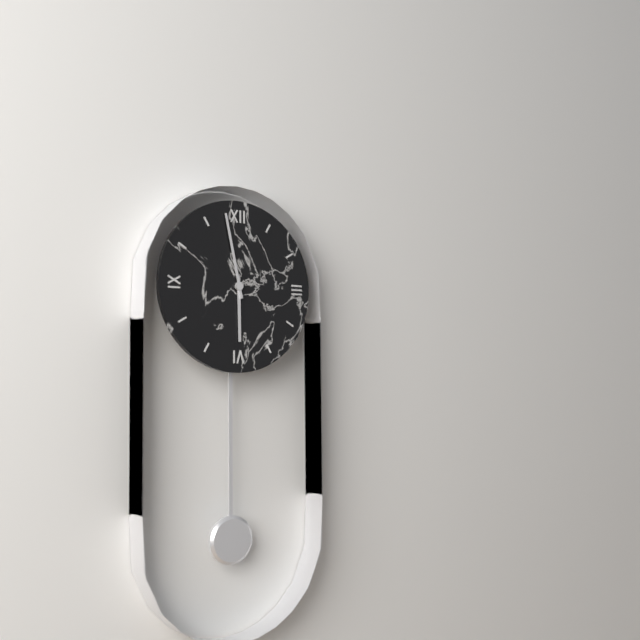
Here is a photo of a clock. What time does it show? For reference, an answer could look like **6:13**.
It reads **5:58**
